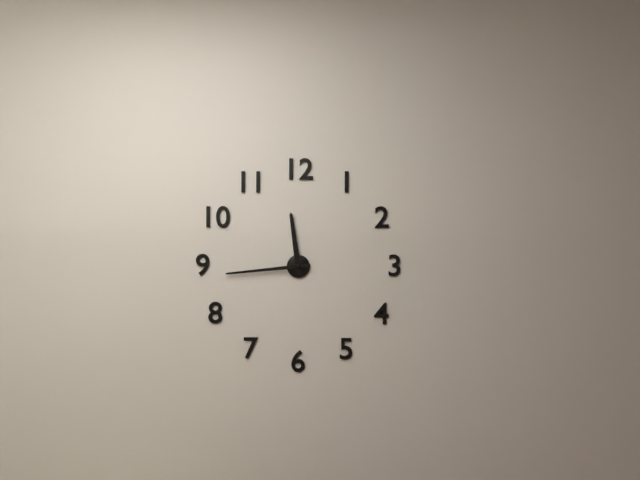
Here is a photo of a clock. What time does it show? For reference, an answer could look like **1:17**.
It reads **11:44**
